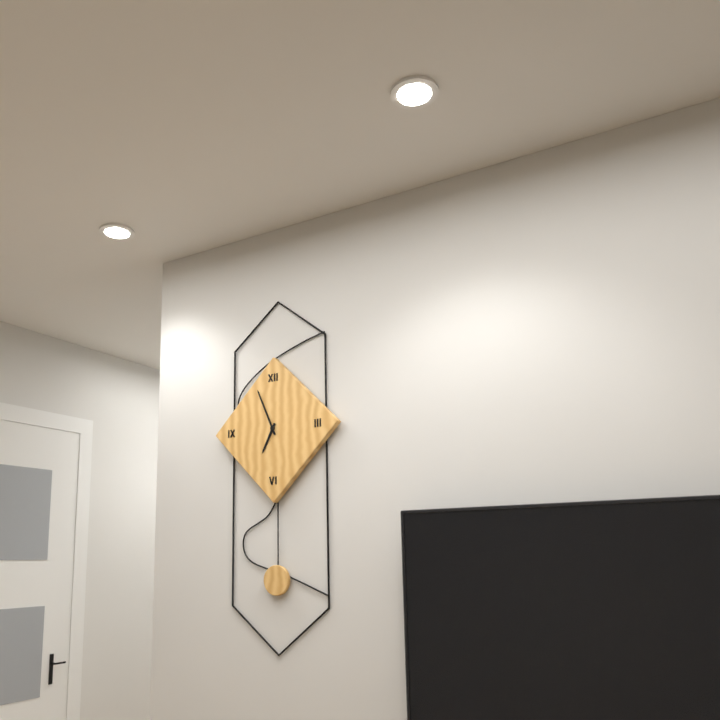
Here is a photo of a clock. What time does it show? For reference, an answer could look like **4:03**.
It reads **6:56**
